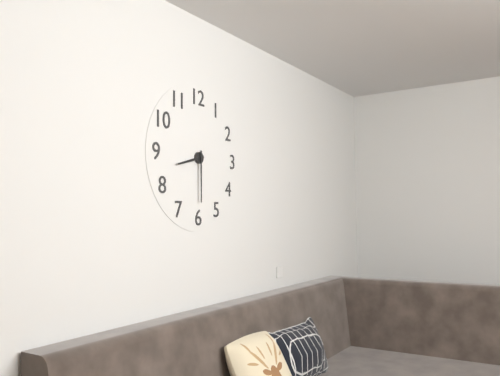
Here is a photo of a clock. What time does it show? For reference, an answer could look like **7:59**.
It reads **8:30**
